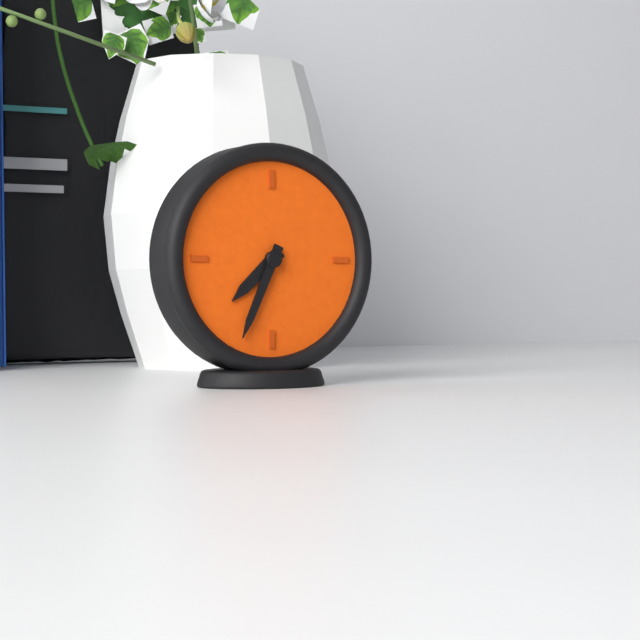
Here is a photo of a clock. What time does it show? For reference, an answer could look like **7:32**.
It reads **7:34**
